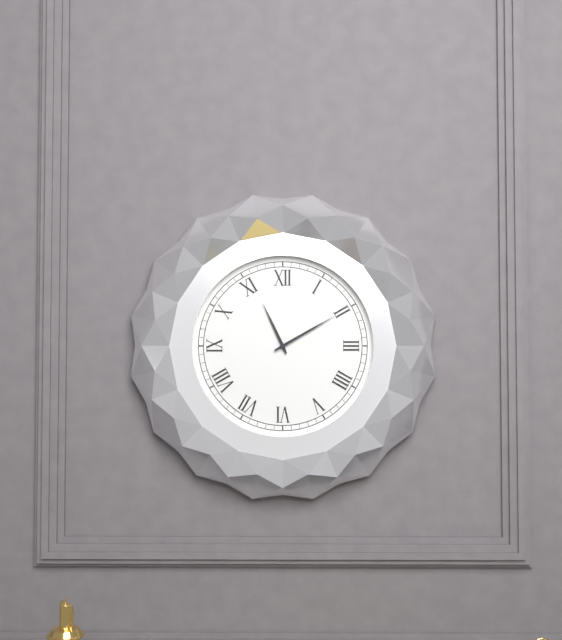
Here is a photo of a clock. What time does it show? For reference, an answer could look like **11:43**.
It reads **11:10**
